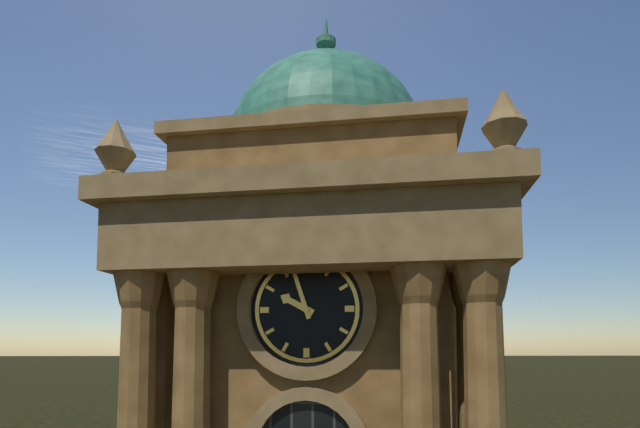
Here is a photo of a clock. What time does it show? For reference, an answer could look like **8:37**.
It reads **9:57**
